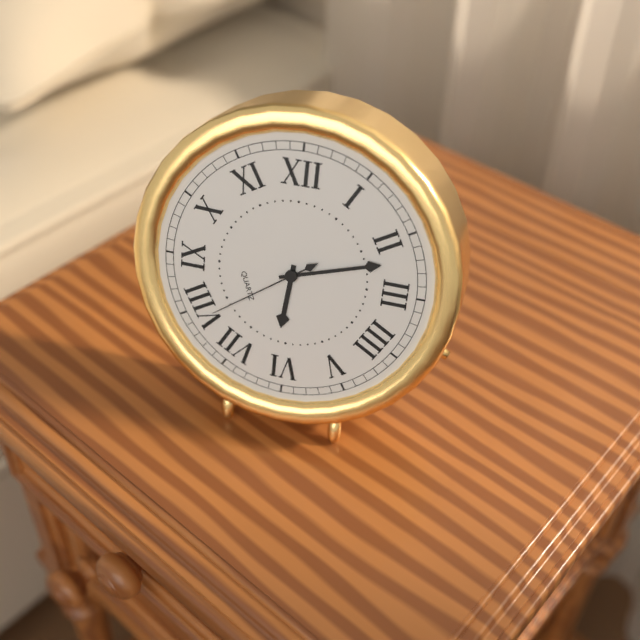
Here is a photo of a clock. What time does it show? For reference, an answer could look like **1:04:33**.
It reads **6:12:39**
